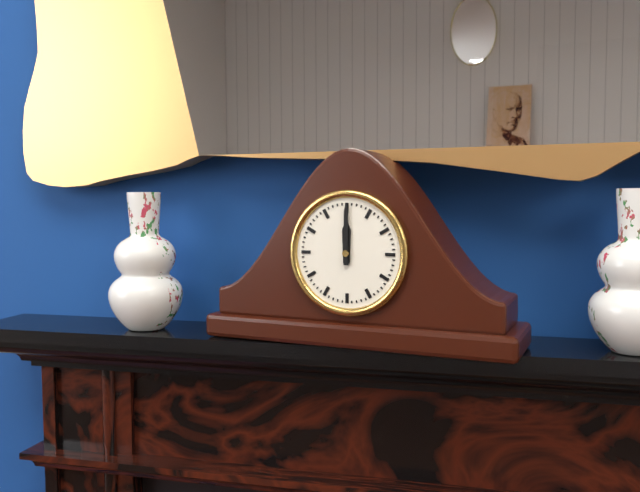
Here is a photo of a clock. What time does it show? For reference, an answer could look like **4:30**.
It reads **12:00**
